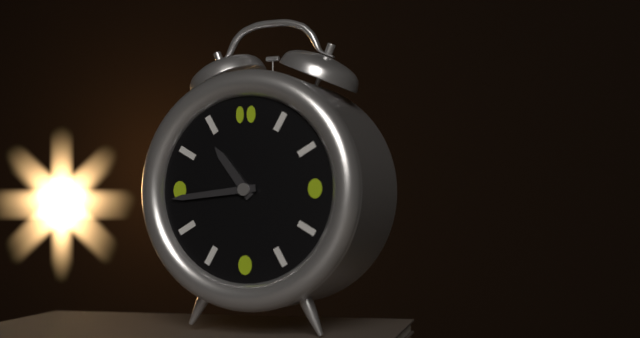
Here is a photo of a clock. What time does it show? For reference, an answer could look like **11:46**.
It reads **10:44**
